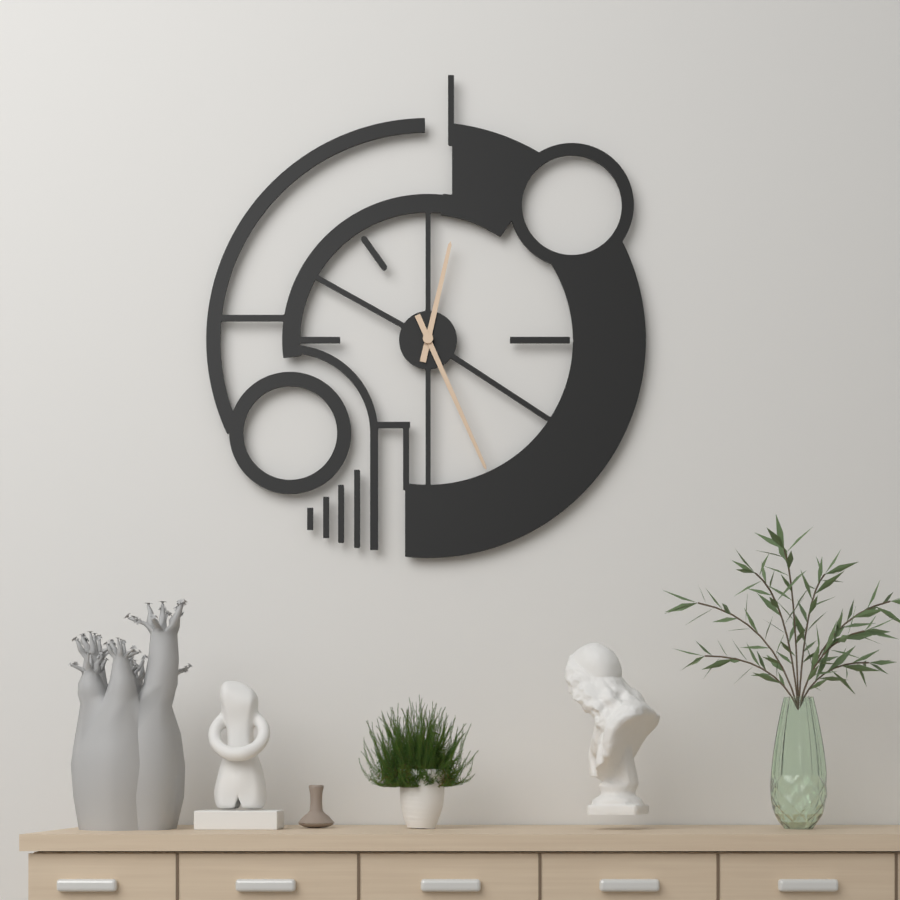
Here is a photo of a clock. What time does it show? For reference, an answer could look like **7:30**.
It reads **12:26**
